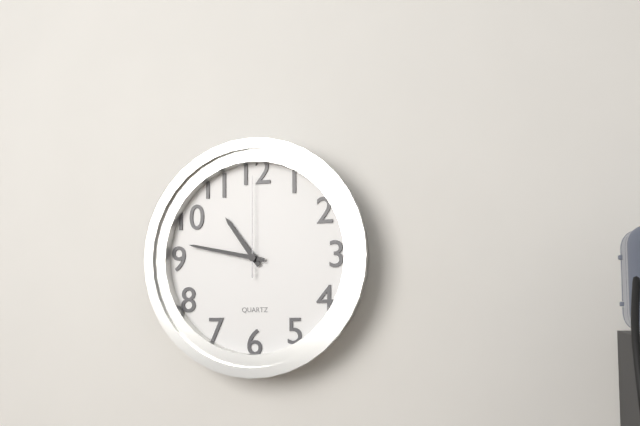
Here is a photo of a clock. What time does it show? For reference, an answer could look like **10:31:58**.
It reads **10:47:00**
